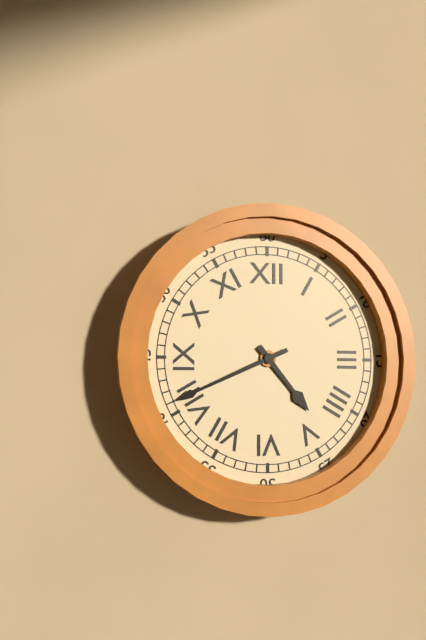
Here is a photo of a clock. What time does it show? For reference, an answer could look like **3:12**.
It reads **4:41**
